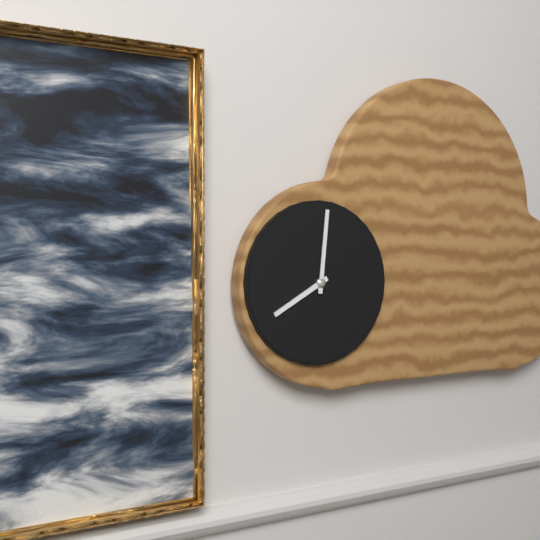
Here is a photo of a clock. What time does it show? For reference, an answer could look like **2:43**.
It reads **8:01**
